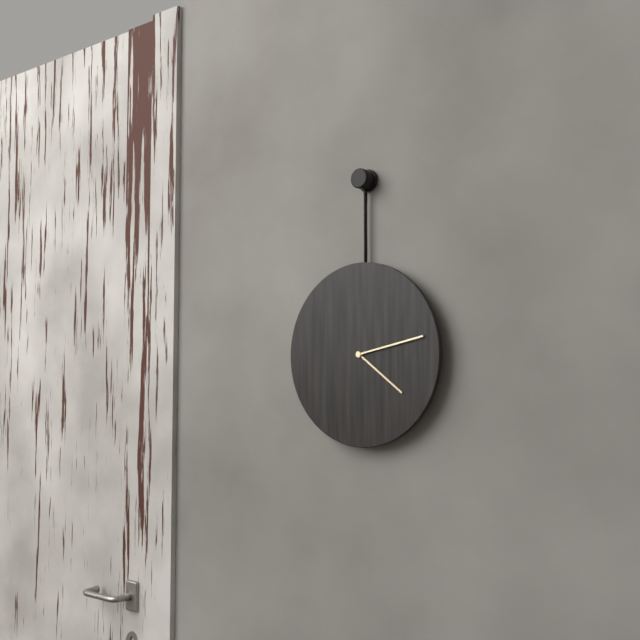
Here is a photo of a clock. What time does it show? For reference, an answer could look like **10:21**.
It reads **4:13**
